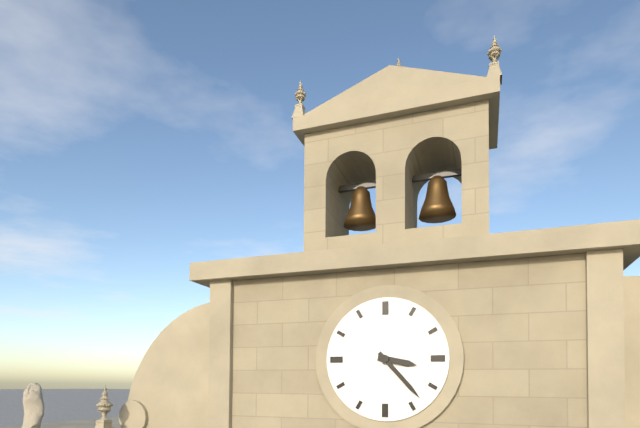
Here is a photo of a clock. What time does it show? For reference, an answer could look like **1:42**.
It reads **3:23**
